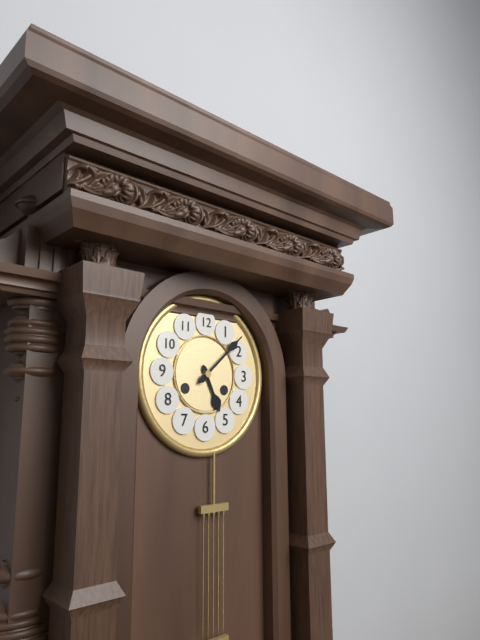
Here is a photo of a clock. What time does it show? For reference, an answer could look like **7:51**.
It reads **5:08**
